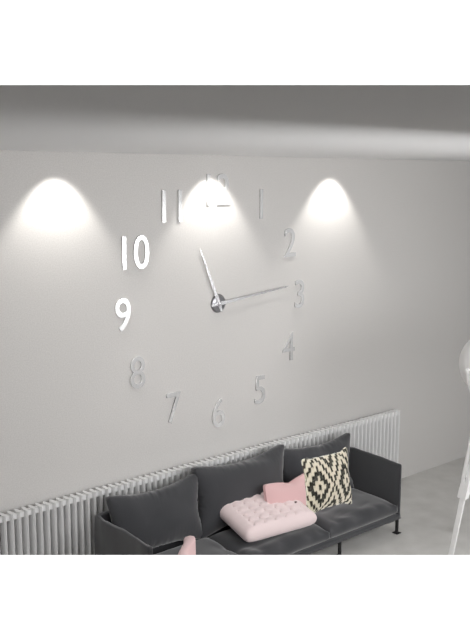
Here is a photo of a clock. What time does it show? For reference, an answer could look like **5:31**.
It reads **11:14**
